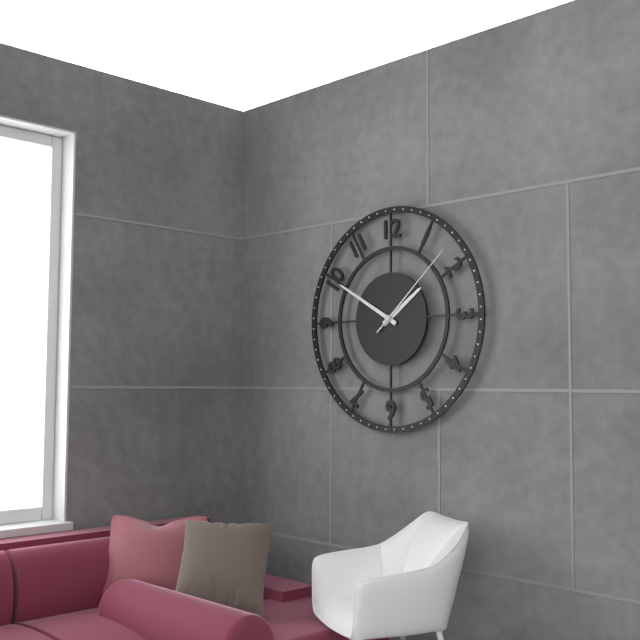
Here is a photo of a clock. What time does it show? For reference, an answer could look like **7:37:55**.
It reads **1:50:08**
